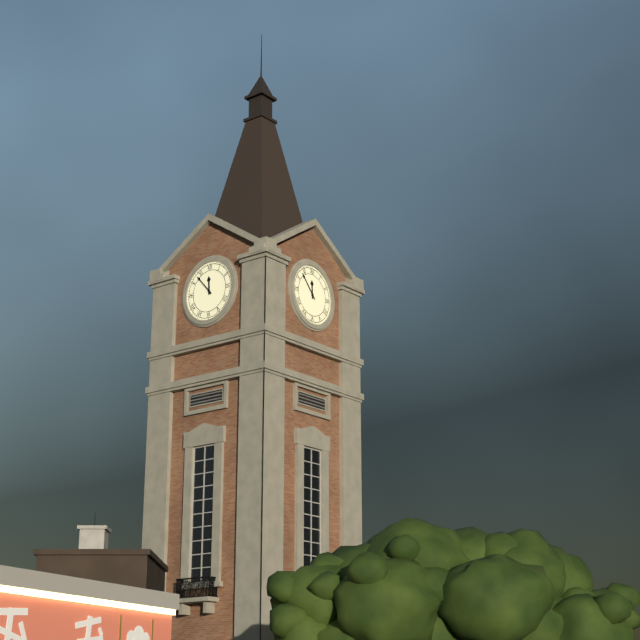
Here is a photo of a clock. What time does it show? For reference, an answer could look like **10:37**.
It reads **11:53**
